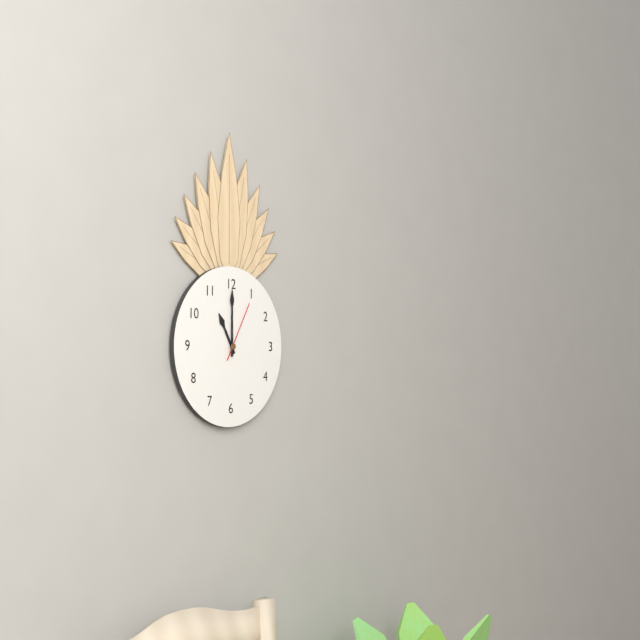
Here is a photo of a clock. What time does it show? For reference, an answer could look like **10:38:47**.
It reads **11:00:05**
